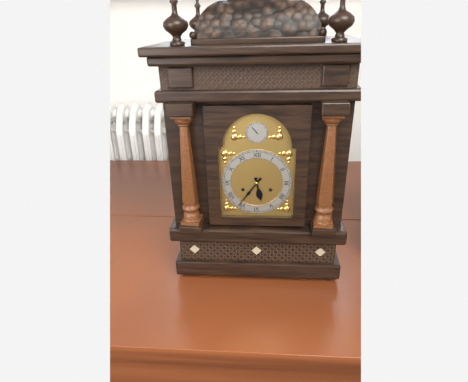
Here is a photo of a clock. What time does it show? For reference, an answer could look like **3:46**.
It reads **5:36**
